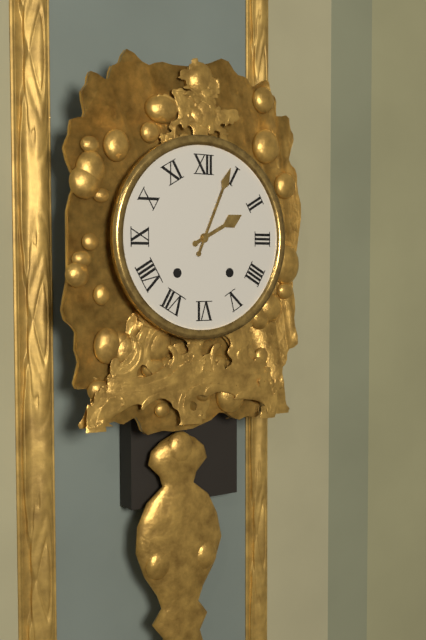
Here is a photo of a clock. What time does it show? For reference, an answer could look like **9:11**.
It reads **2:04**
